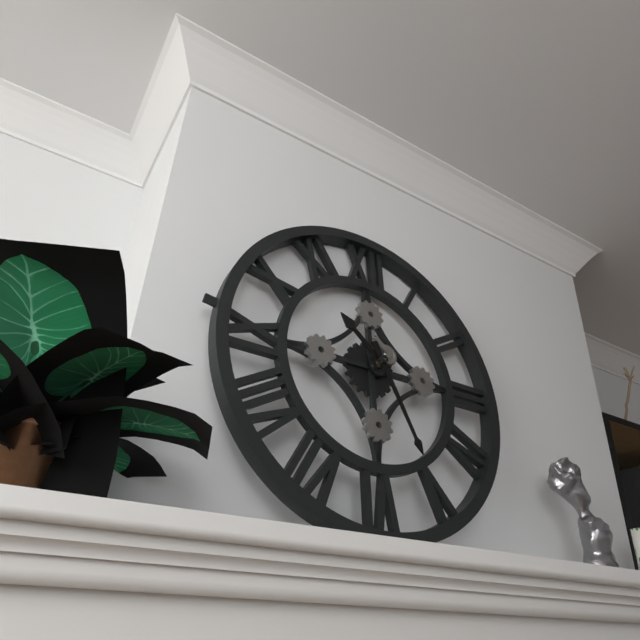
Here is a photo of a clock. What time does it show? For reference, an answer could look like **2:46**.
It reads **10:26**
